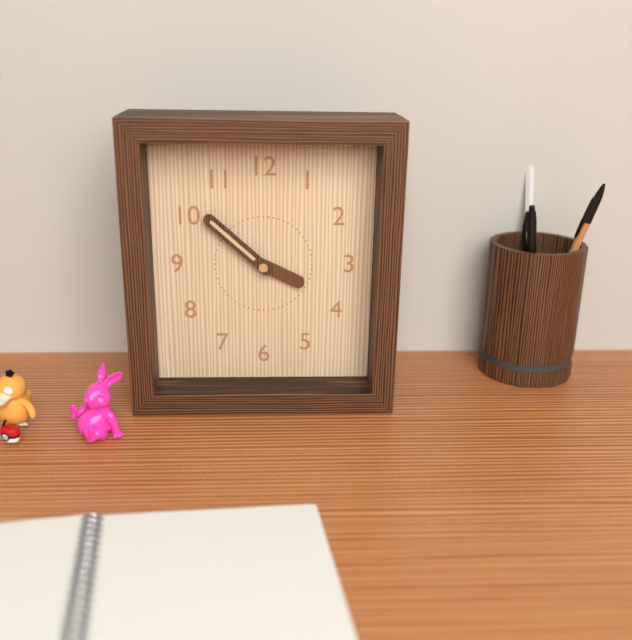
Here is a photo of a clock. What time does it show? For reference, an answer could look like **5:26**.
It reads **3:52**
